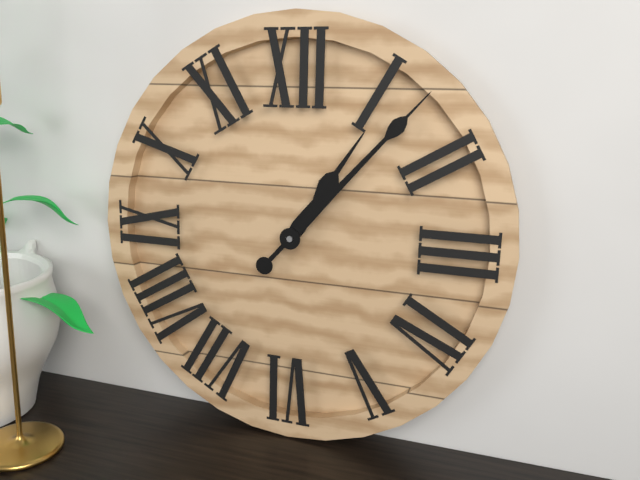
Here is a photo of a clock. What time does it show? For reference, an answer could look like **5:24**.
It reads **1:07**
